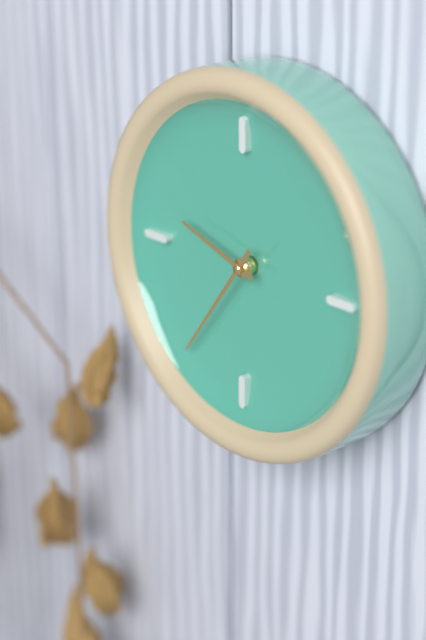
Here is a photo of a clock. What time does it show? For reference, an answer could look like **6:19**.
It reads **9:36**
